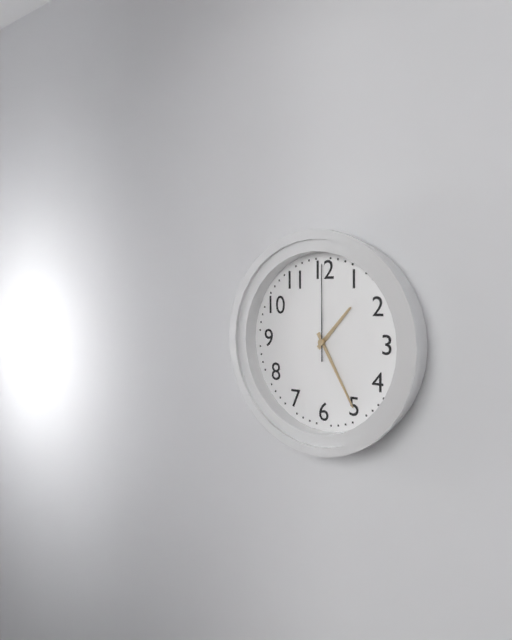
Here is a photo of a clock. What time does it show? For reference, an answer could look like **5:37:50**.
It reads **1:25:00**
